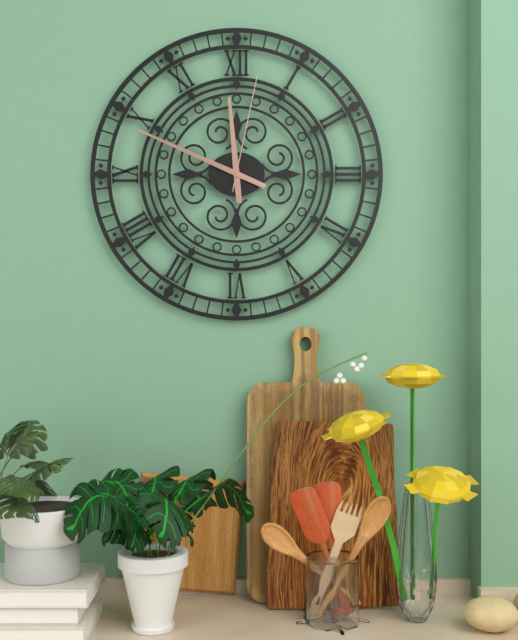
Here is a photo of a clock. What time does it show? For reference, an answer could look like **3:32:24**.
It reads **11:49:02**
